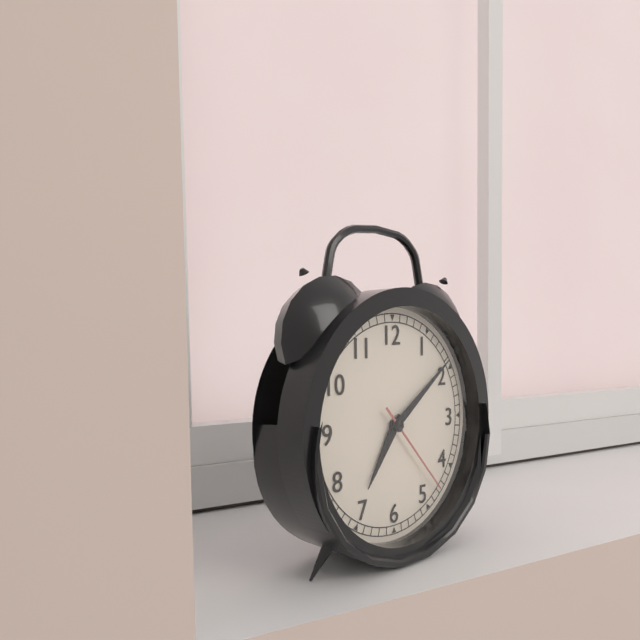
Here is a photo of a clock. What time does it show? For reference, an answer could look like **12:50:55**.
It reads **7:09:23**
